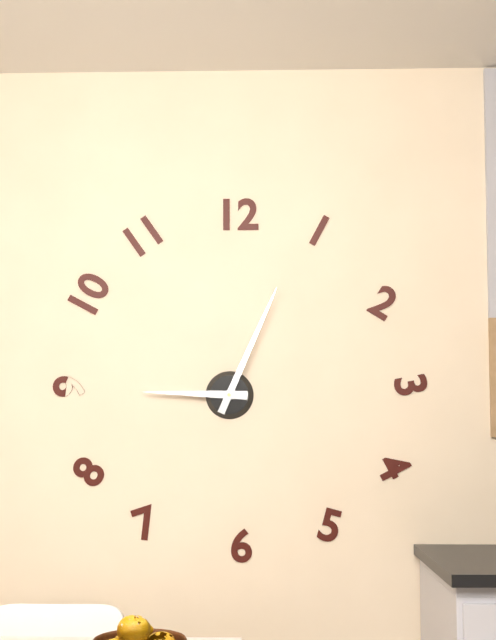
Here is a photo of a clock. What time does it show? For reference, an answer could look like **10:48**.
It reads **9:04**
